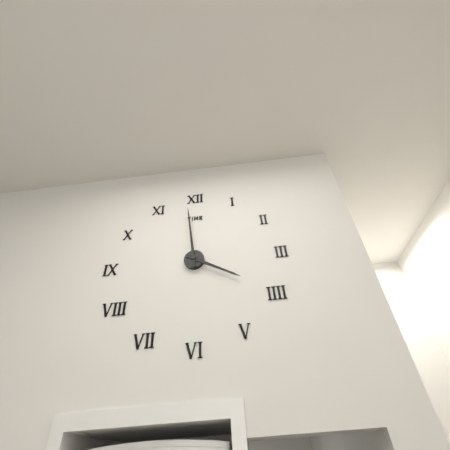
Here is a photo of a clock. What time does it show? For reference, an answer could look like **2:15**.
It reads **3:59**
